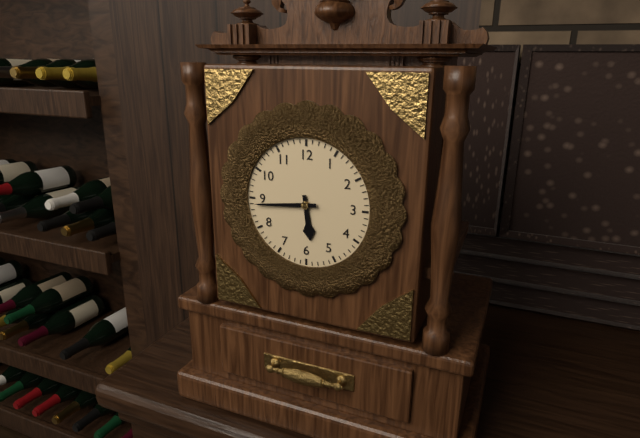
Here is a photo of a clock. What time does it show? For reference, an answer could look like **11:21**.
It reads **5:44**
